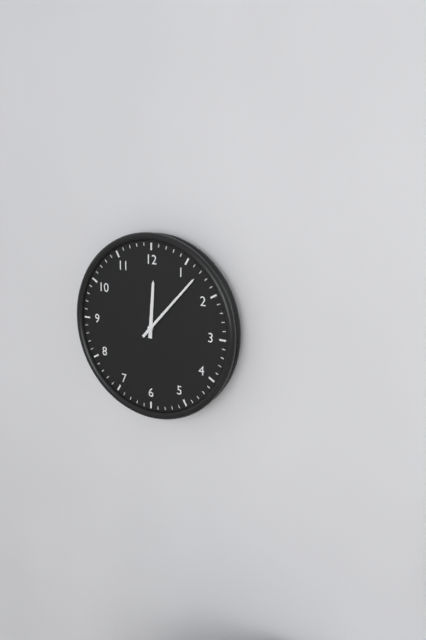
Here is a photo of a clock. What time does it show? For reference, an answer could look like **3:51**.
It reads **12:07**
